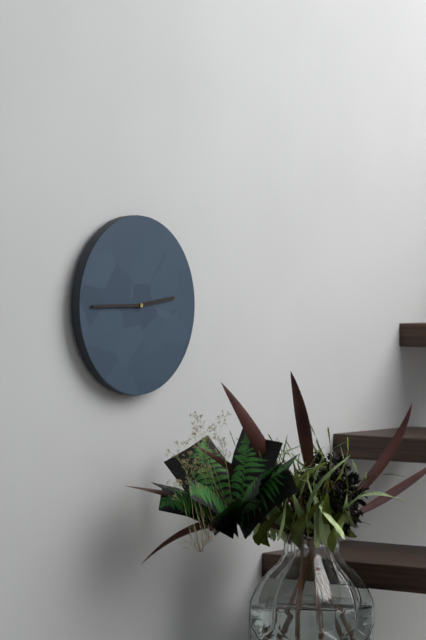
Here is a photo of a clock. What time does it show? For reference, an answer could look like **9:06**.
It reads **2:45**
